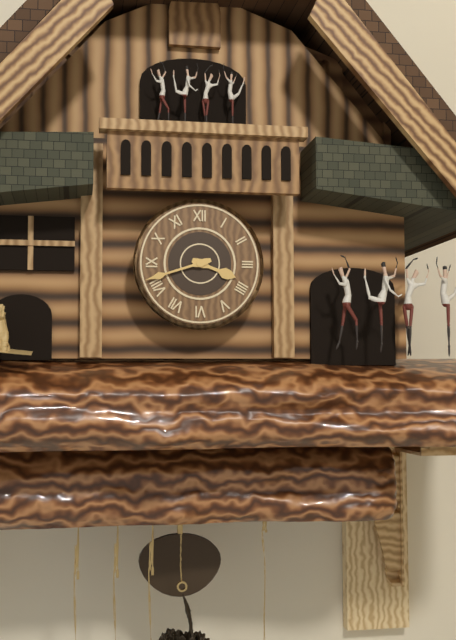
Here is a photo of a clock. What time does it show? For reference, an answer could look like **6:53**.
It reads **3:42**
